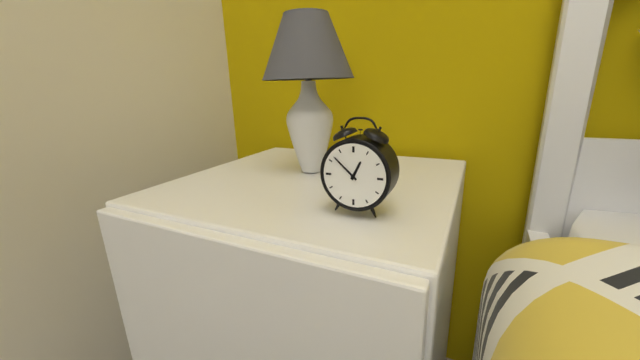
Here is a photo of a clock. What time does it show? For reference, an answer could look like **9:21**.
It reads **12:52**
